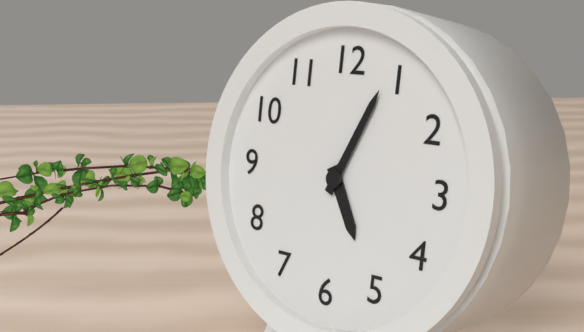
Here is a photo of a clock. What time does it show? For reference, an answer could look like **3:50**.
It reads **5:04**
